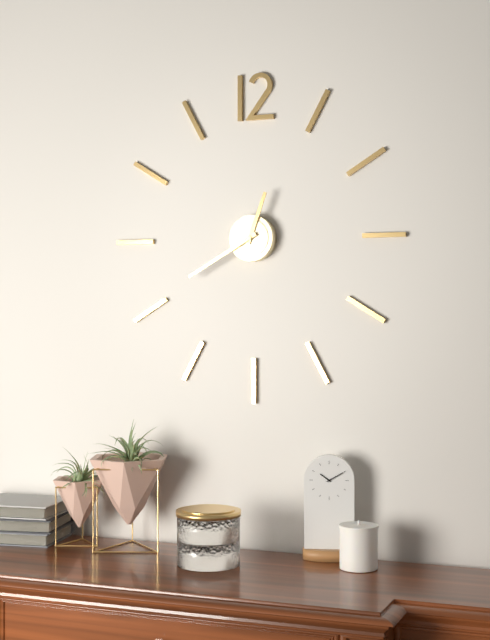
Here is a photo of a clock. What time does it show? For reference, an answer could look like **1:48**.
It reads **12:40**
